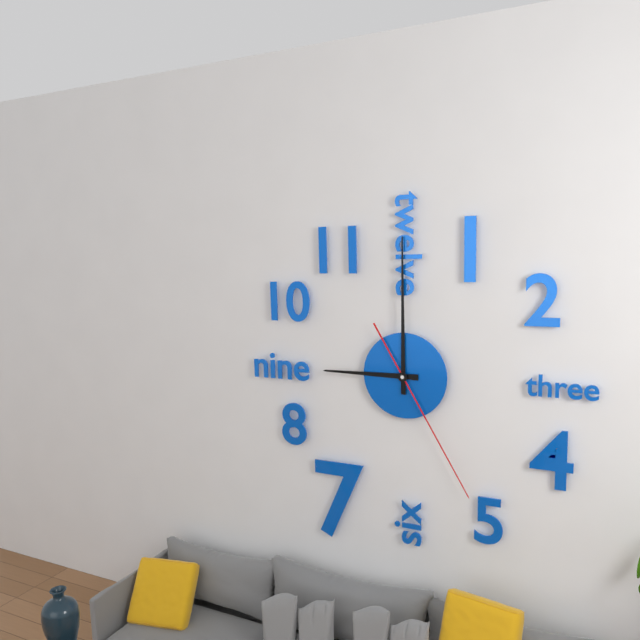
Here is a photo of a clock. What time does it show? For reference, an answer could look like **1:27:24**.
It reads **9:00:25**
